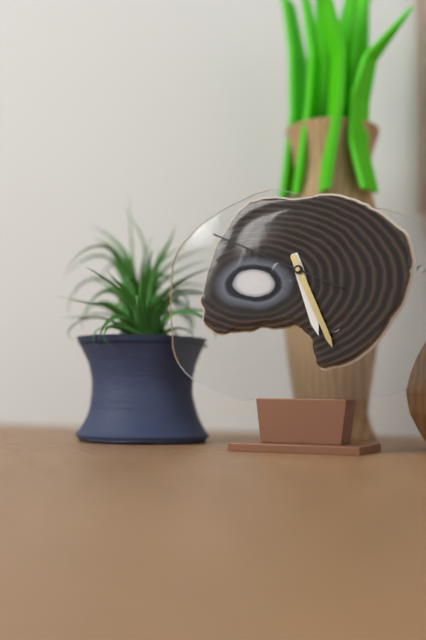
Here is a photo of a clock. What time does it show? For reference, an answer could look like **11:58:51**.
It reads **5:26:49**
